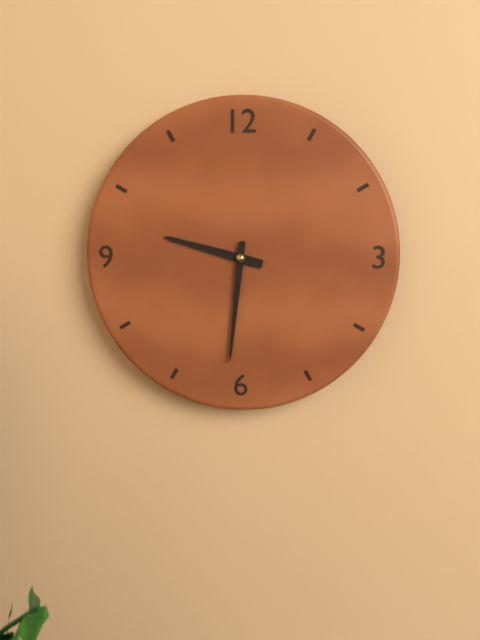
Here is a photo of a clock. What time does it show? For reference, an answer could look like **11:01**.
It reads **9:31**
